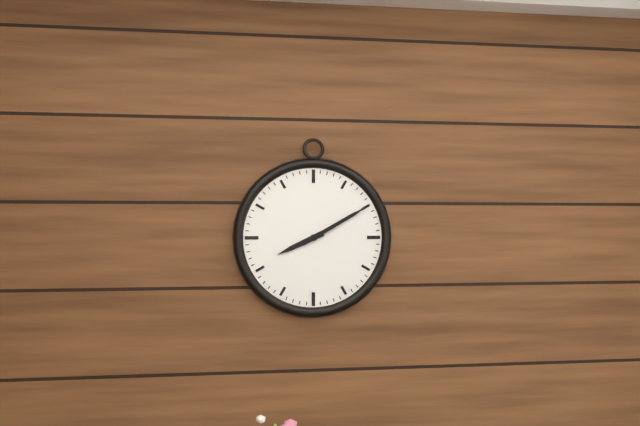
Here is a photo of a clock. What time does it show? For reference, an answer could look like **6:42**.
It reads **8:10**
